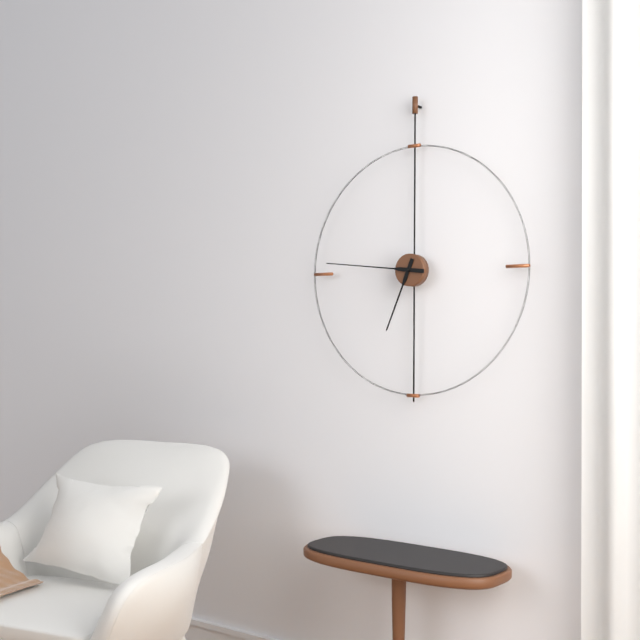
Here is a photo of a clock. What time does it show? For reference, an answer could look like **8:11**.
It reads **6:46**
